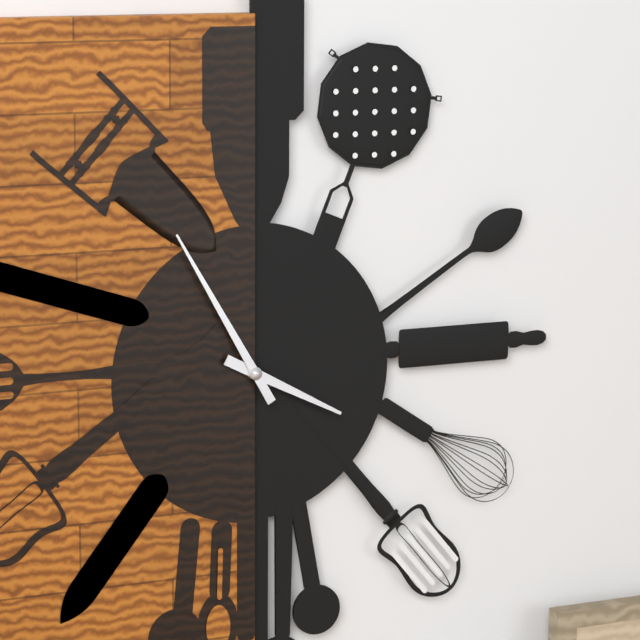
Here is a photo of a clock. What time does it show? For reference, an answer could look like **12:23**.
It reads **3:55**
